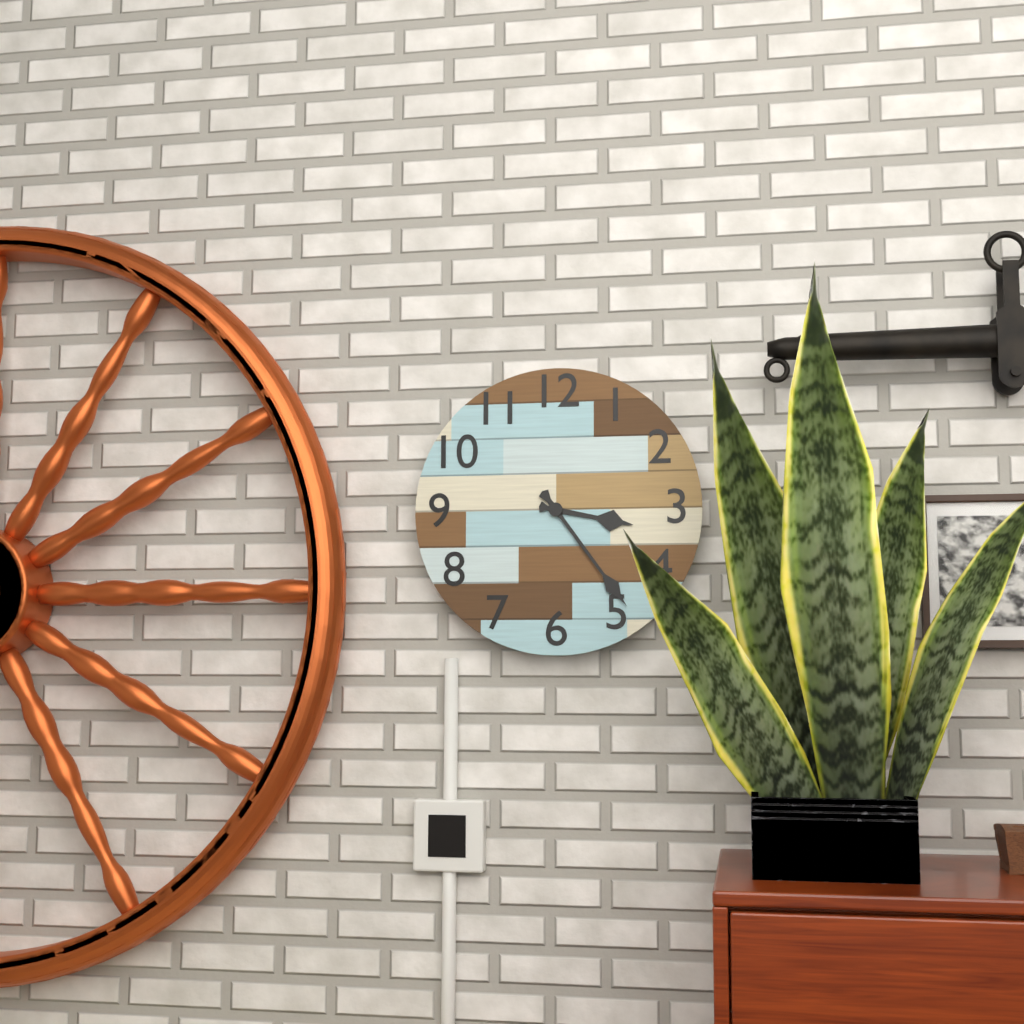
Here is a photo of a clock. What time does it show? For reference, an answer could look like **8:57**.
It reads **3:24**
